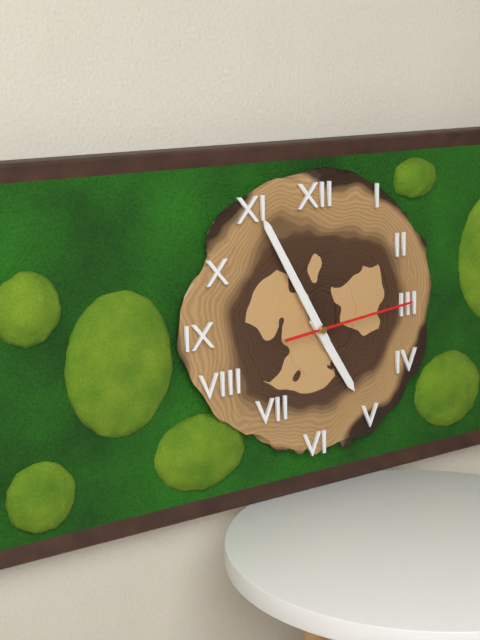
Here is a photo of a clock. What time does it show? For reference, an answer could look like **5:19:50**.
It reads **4:55:14**
